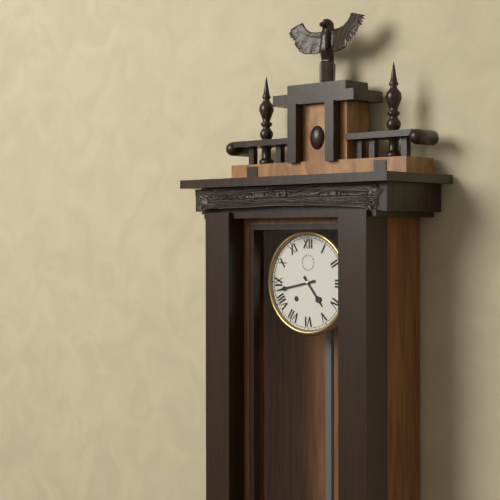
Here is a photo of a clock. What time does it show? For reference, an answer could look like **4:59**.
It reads **4:43**
